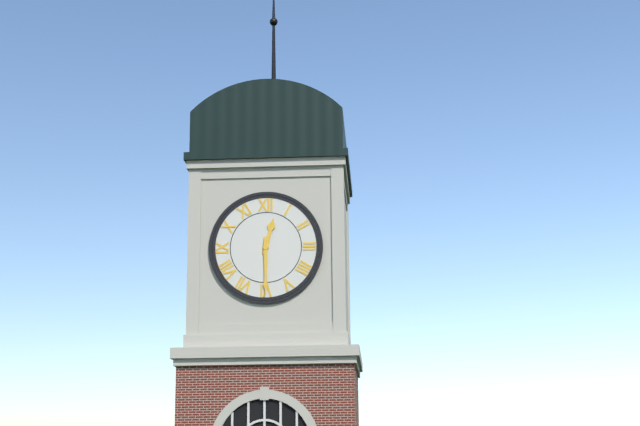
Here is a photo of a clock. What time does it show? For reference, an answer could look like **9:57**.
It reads **12:30**
